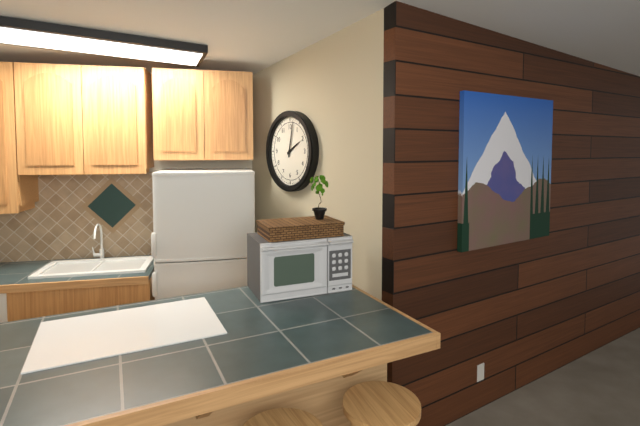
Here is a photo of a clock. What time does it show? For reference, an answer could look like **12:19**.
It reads **2:02**
